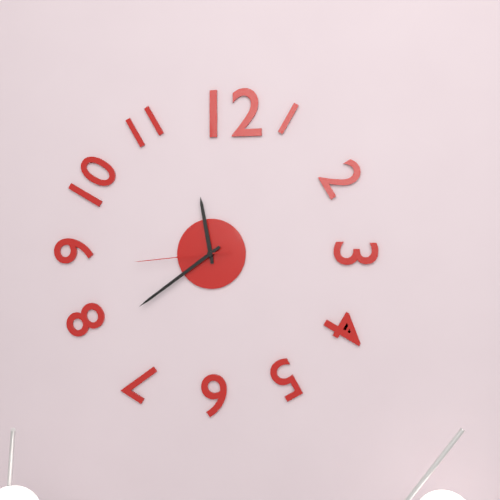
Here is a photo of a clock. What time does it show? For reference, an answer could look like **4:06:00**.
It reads **11:39:44**
